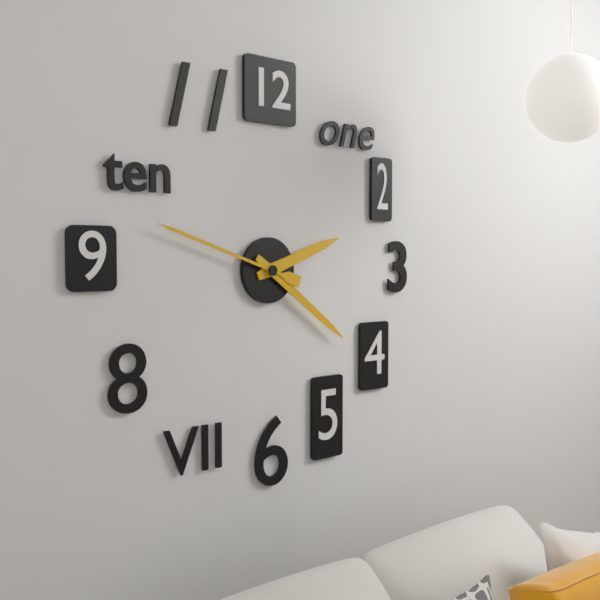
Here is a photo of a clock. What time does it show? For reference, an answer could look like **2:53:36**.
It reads **2:21:48**
